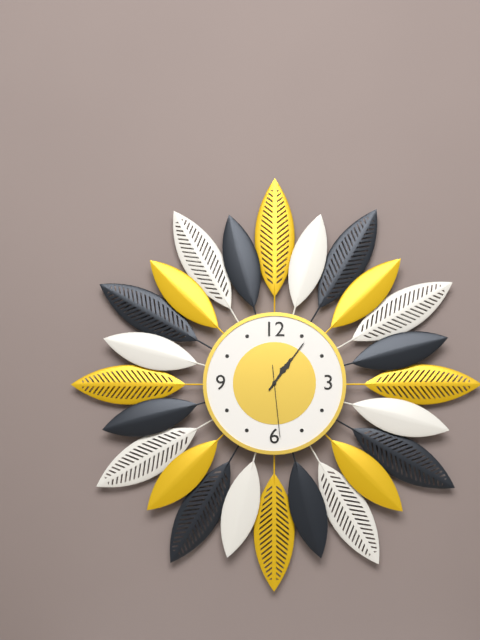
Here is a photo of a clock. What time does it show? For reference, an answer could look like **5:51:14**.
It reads **1:06:29**
